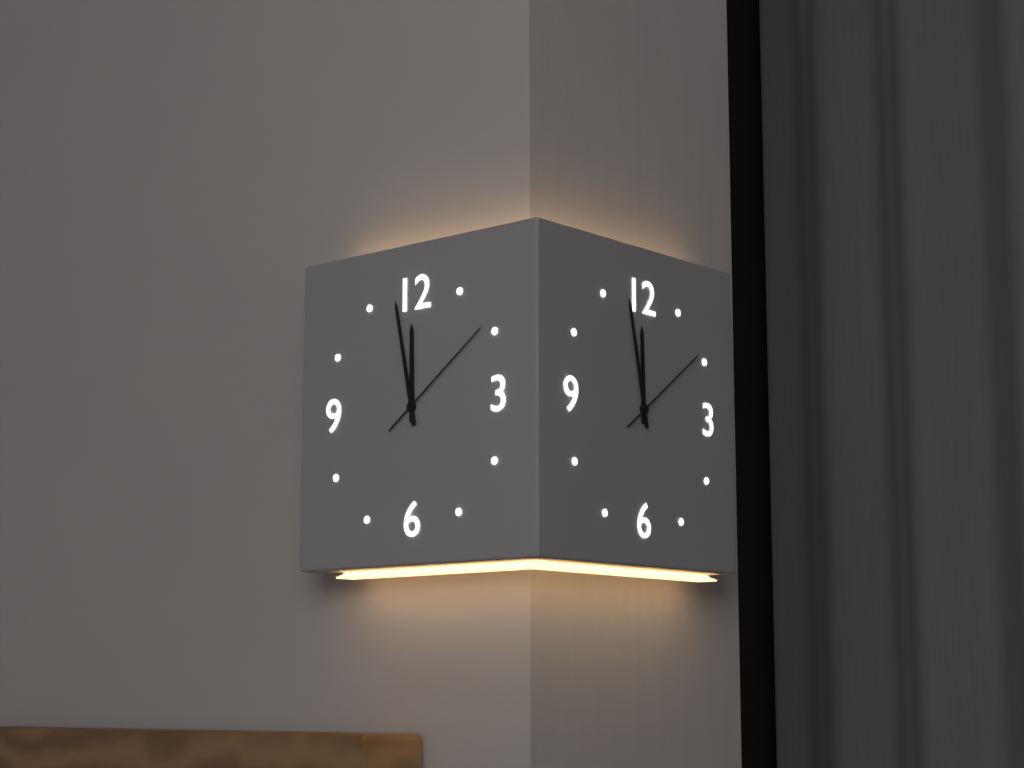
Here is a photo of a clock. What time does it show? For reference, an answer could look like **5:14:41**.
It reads **11:58:09**
